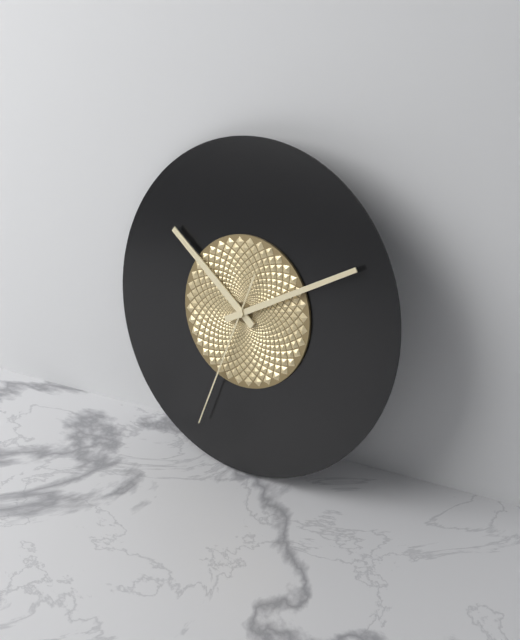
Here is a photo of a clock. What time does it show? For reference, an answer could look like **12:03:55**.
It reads **10:10:33**
